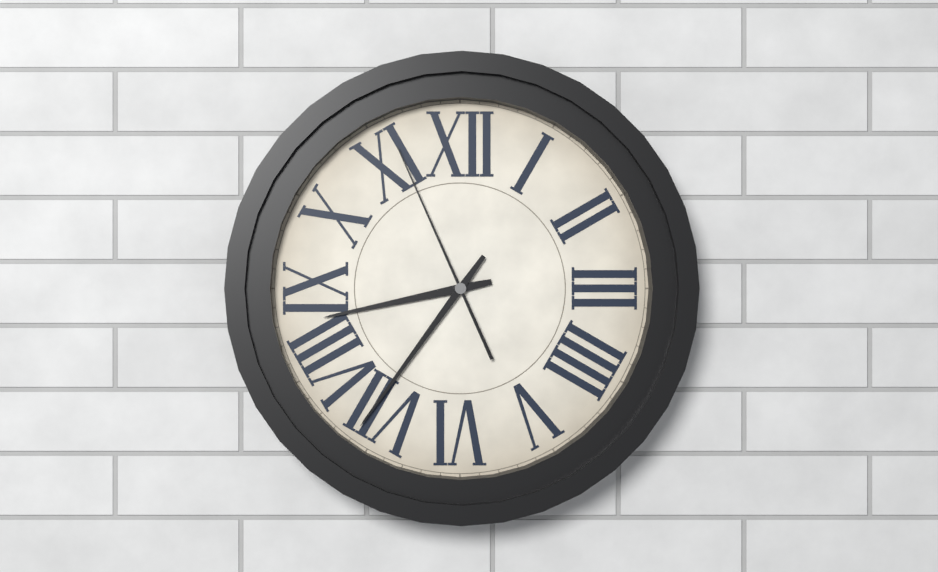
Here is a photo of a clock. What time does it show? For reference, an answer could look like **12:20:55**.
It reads **8:36:56**
